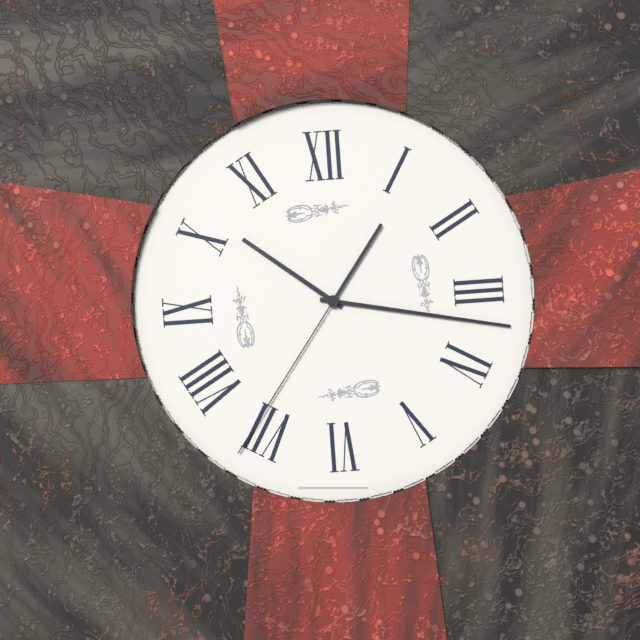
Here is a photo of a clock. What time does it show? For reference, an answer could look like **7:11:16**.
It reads **10:17:36**
